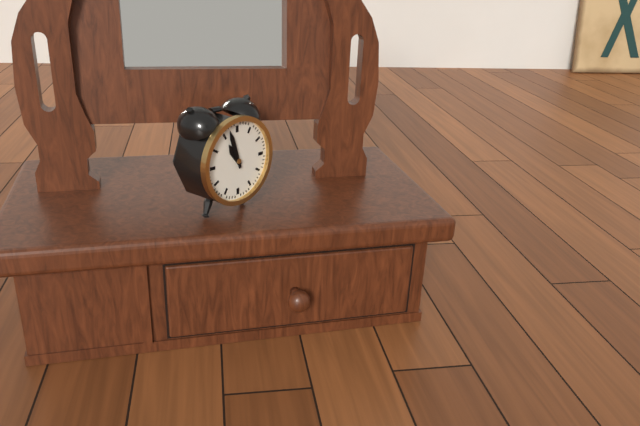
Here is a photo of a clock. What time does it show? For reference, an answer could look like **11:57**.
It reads **10:57**
